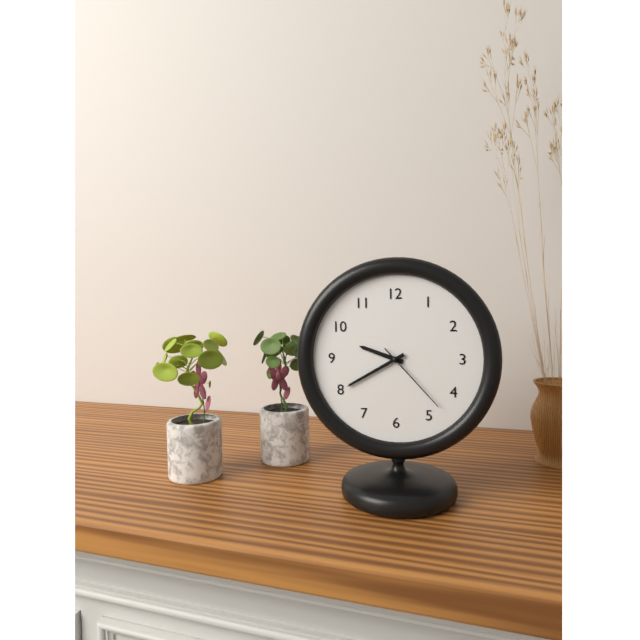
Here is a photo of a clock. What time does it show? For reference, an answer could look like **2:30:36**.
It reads **9:40:23**
